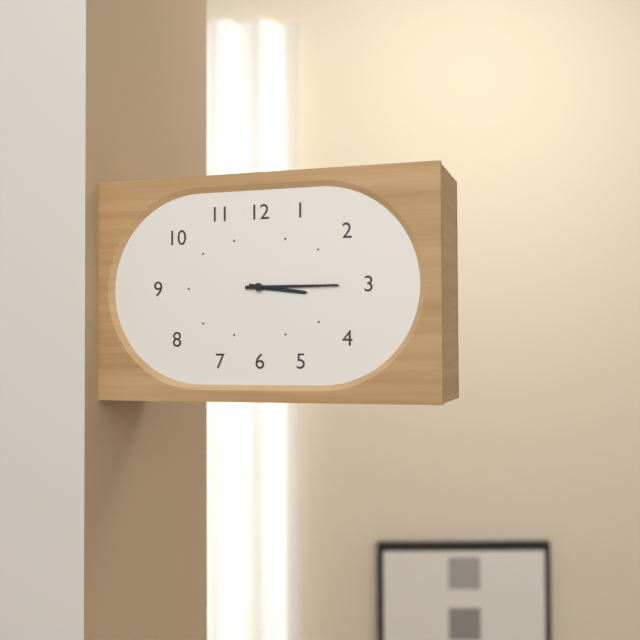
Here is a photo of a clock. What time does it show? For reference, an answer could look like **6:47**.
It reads **3:15**
